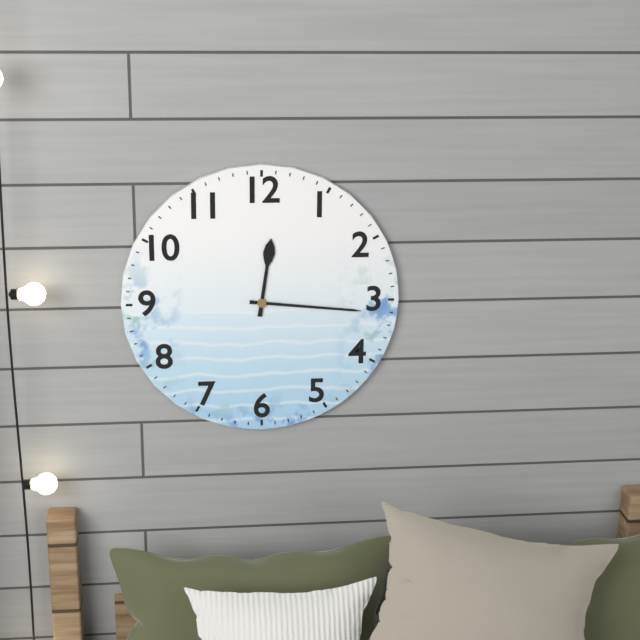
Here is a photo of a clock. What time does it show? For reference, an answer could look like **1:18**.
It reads **12:16**
